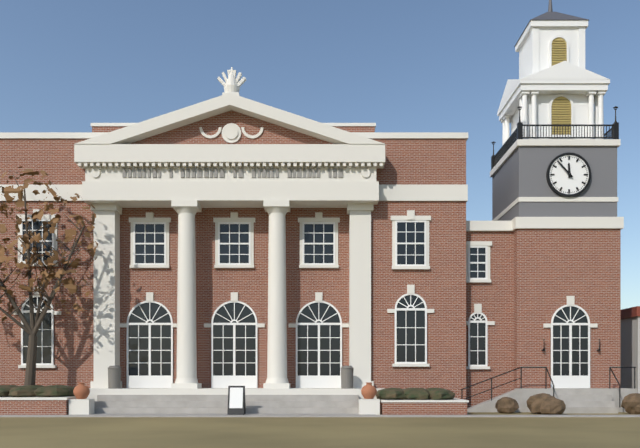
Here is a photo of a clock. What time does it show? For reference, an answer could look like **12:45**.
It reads **11:53**
